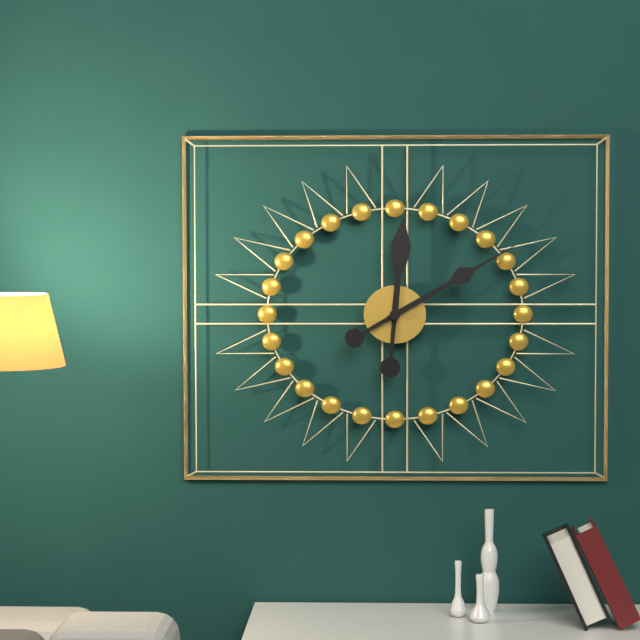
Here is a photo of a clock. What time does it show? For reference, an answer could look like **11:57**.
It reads **12:10**
